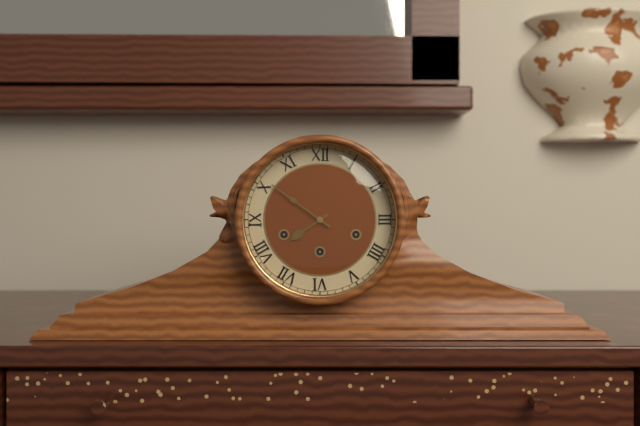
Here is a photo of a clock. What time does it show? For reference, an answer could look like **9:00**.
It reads **7:51**
